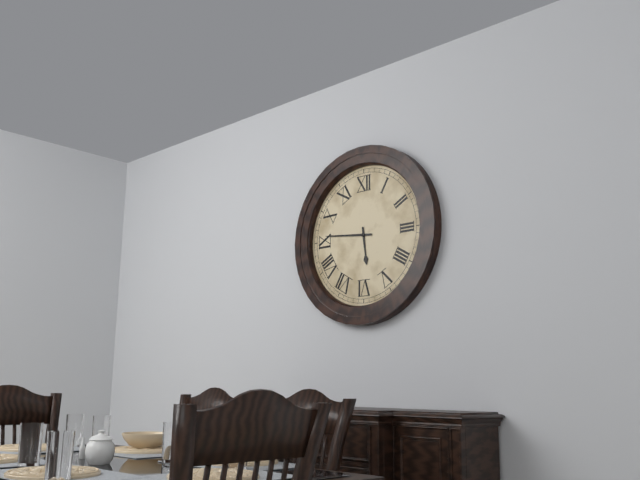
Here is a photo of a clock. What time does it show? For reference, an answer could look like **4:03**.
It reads **5:46**
